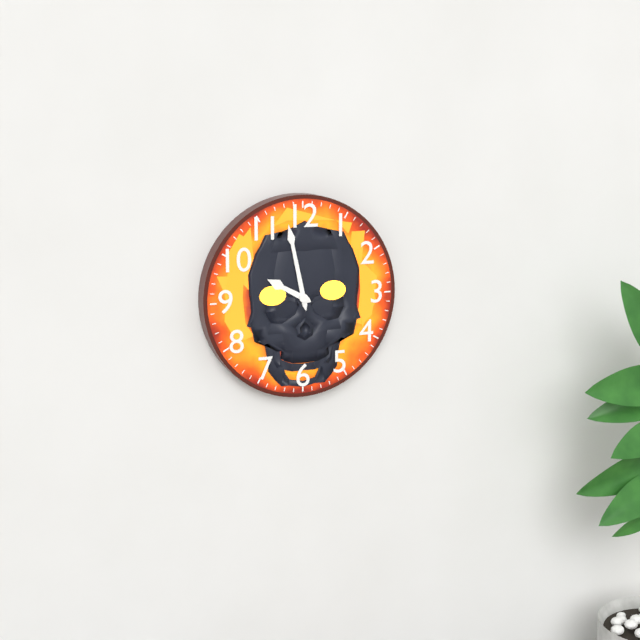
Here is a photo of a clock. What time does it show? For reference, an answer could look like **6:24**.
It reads **9:58**
